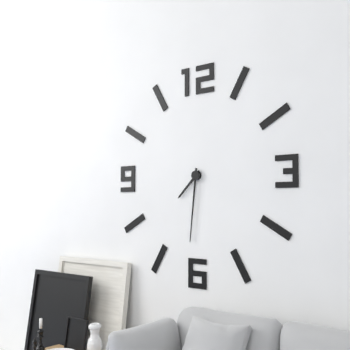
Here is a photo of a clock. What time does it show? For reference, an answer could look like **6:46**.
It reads **7:31**
